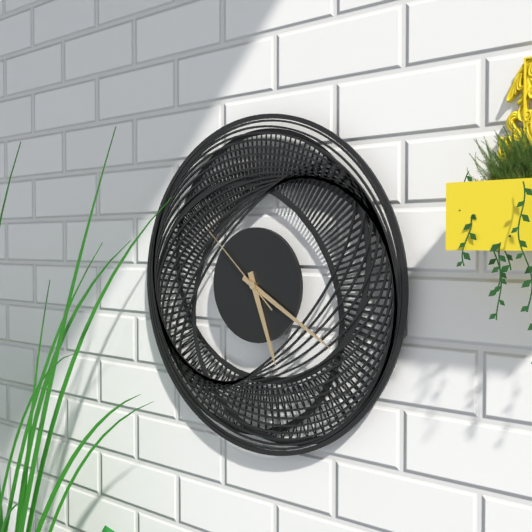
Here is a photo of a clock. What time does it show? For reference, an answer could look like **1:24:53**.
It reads **5:20:52**
